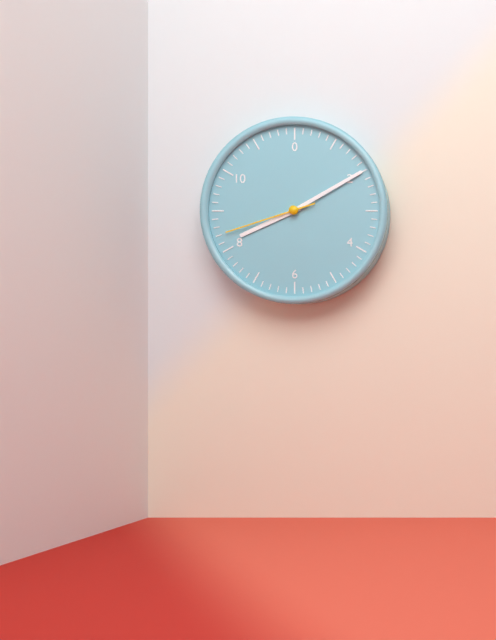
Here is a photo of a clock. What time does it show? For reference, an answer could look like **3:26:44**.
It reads **8:10:42**
